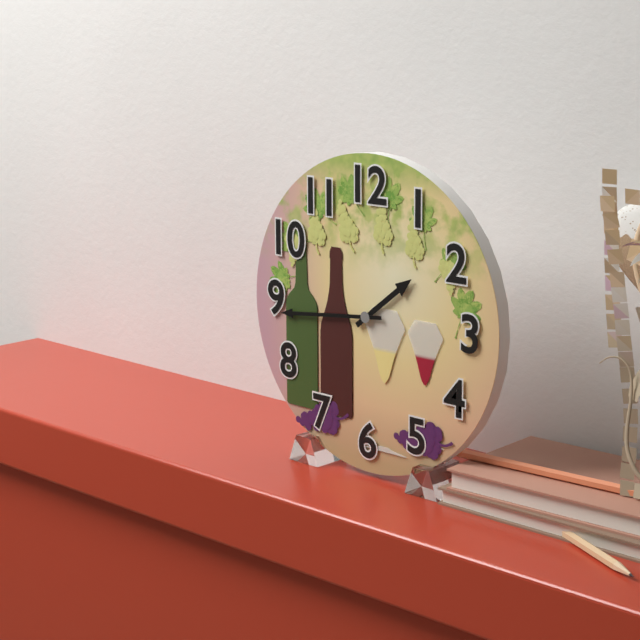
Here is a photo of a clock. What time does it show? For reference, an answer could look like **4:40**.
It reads **1:44**
